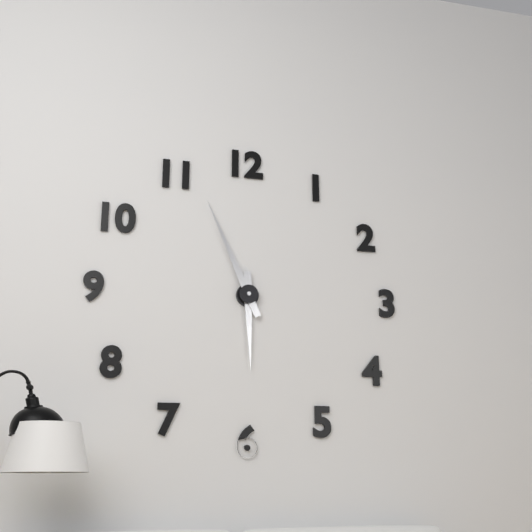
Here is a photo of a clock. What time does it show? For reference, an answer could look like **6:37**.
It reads **5:56**
